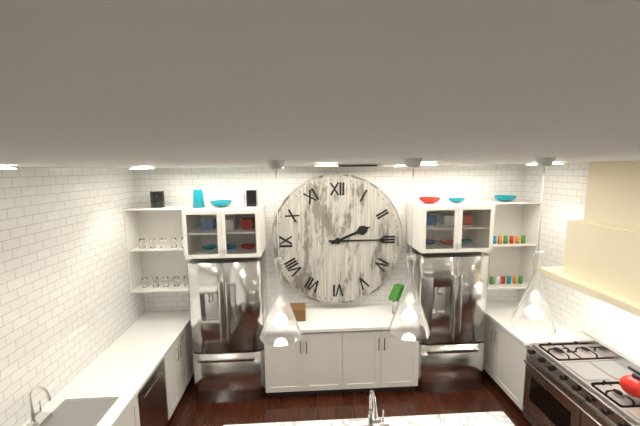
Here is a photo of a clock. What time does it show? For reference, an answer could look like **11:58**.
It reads **2:15**
